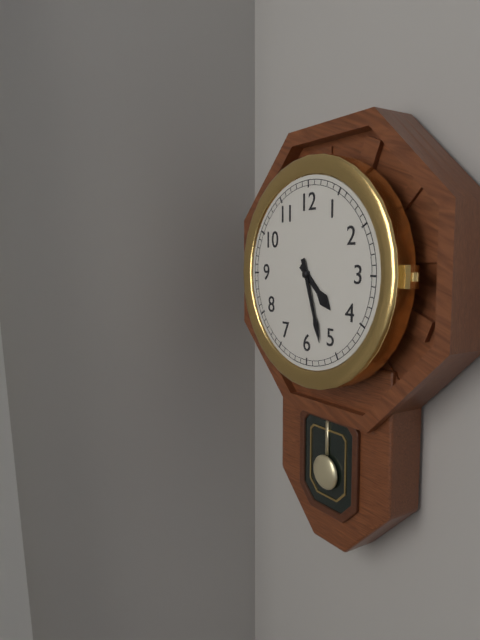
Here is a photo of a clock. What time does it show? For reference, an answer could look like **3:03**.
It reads **4:27**
